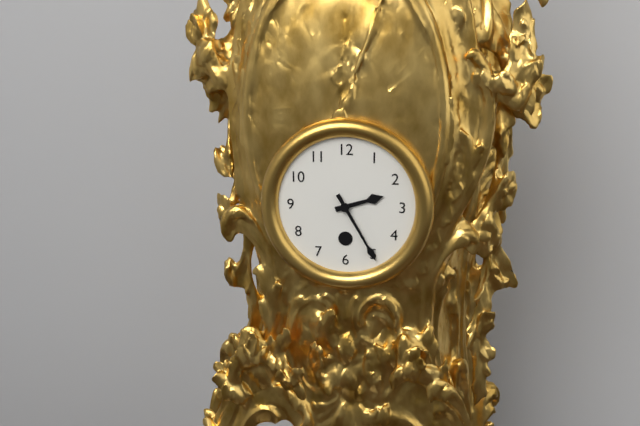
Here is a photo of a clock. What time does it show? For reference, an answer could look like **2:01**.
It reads **2:25**
